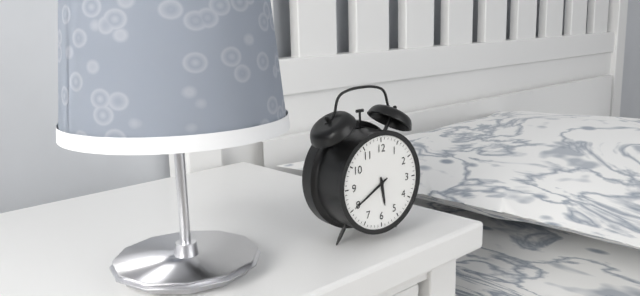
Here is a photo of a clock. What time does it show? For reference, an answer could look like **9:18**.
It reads **5:40**
